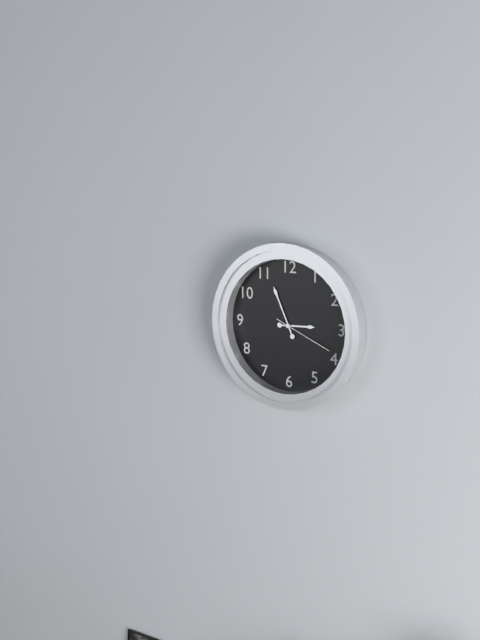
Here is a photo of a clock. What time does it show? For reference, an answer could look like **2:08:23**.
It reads **2:56:19**
